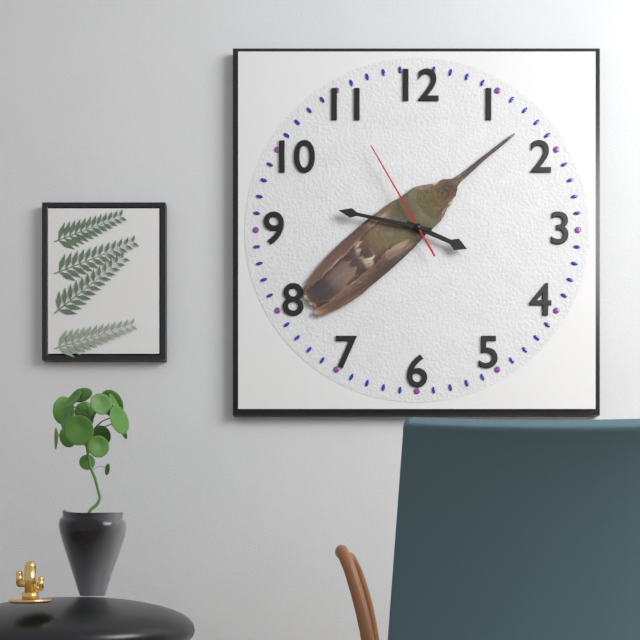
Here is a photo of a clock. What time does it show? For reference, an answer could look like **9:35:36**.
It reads **3:47:55**
